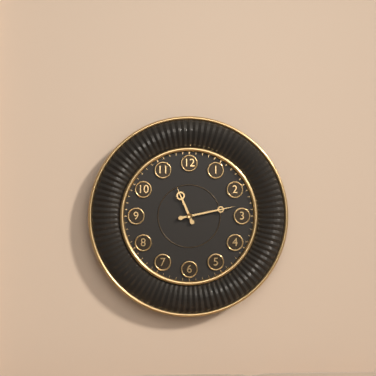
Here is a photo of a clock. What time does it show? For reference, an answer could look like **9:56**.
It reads **11:13**
